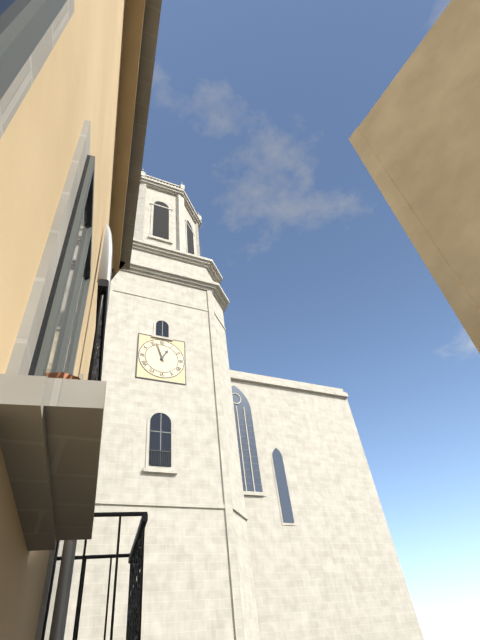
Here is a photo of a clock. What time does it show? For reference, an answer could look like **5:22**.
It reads **12:57**
